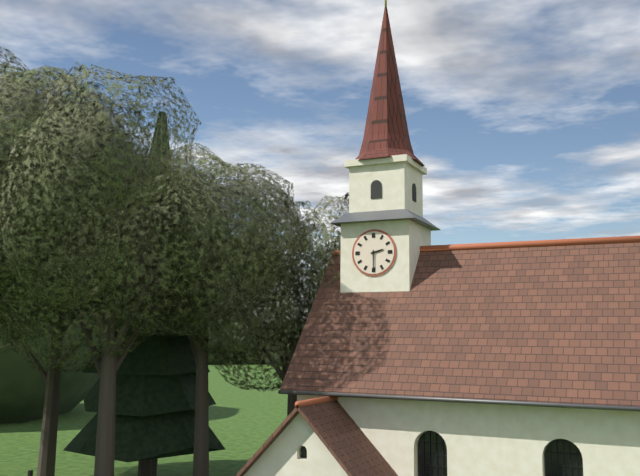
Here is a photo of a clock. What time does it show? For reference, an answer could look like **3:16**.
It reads **2:30**
